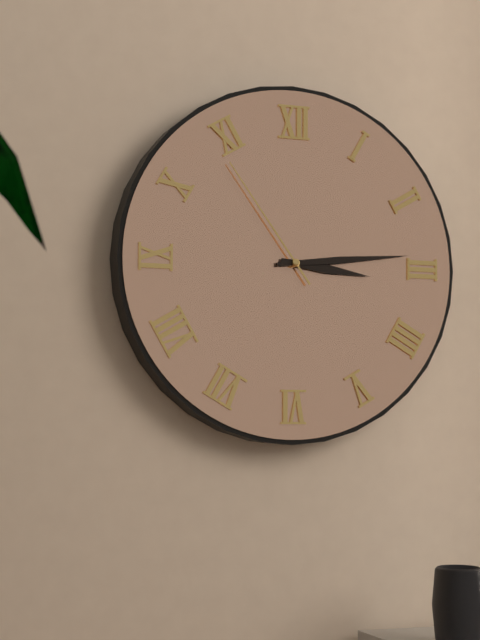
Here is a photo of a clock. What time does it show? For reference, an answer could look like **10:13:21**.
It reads **3:14:54**
